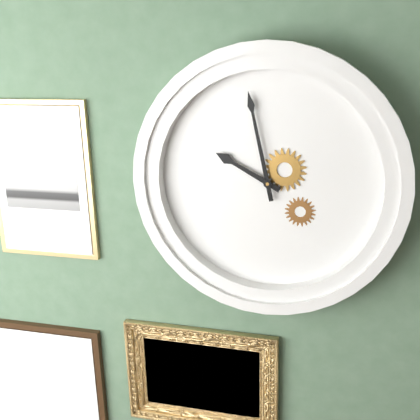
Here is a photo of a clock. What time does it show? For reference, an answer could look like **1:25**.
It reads **9:58**
